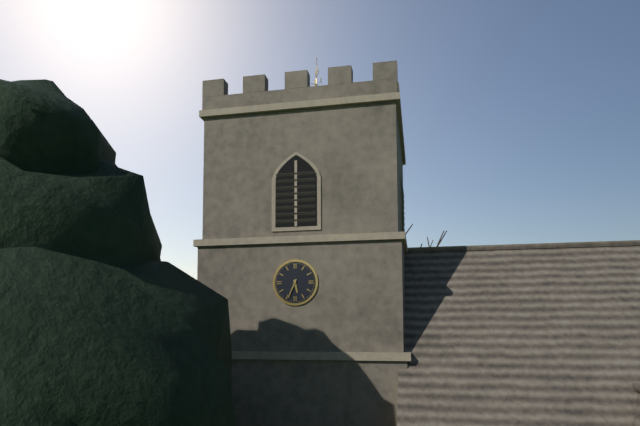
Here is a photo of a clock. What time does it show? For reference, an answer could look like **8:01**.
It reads **5:34**
